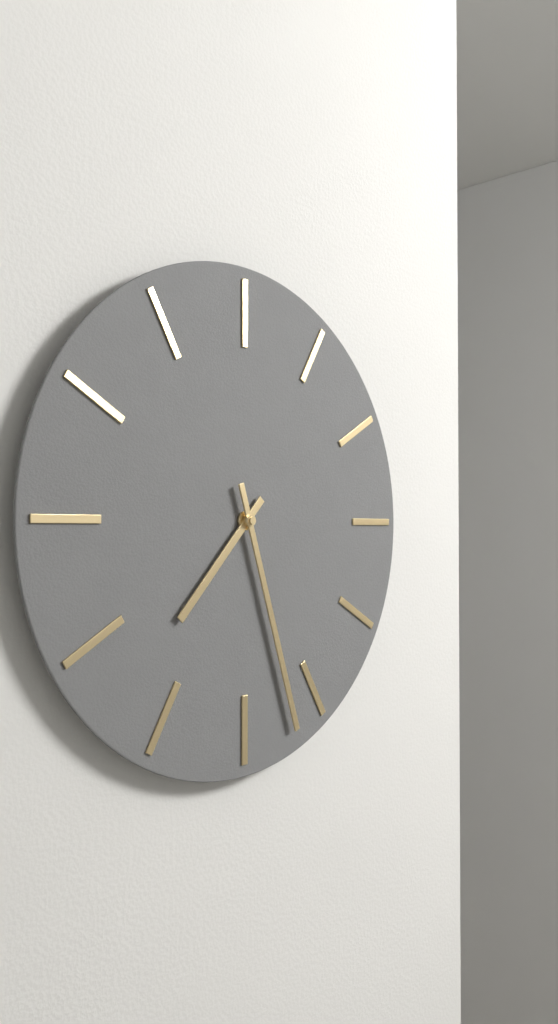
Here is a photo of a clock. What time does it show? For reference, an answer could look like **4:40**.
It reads **7:27**
